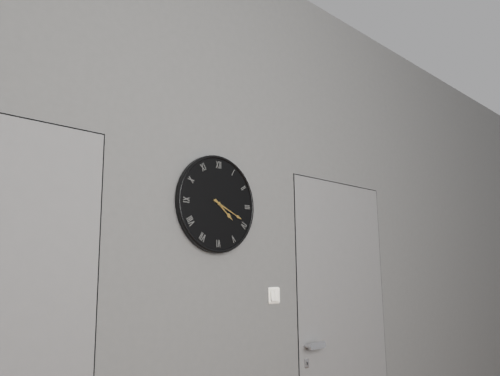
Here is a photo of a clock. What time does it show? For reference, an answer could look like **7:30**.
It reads **4:19**
